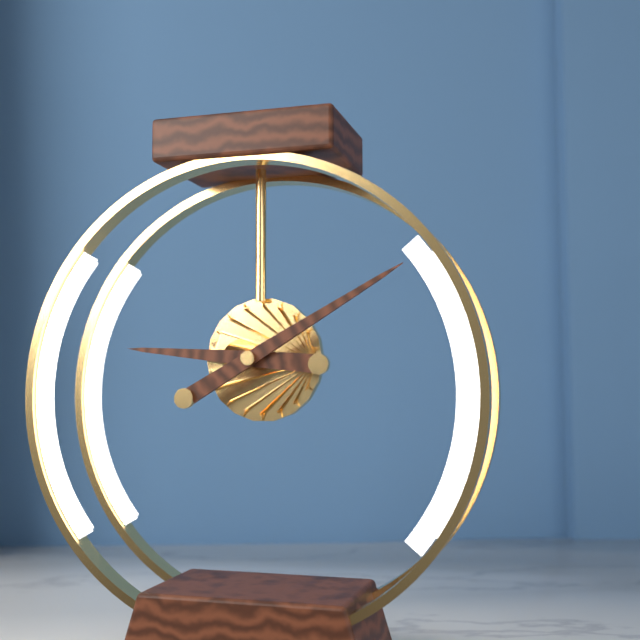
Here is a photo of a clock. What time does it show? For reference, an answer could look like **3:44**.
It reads **9:10**
